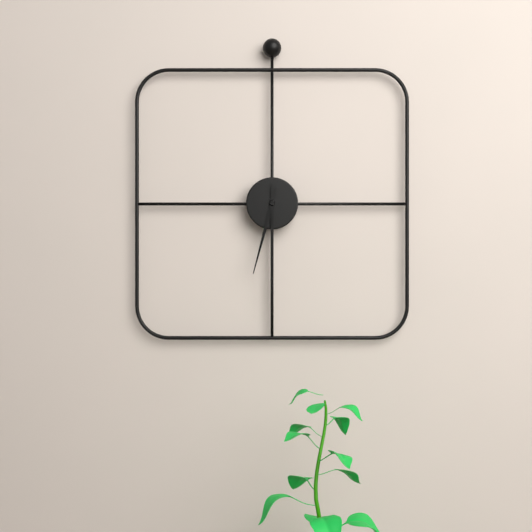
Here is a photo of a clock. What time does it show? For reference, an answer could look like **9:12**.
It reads **6:30**
